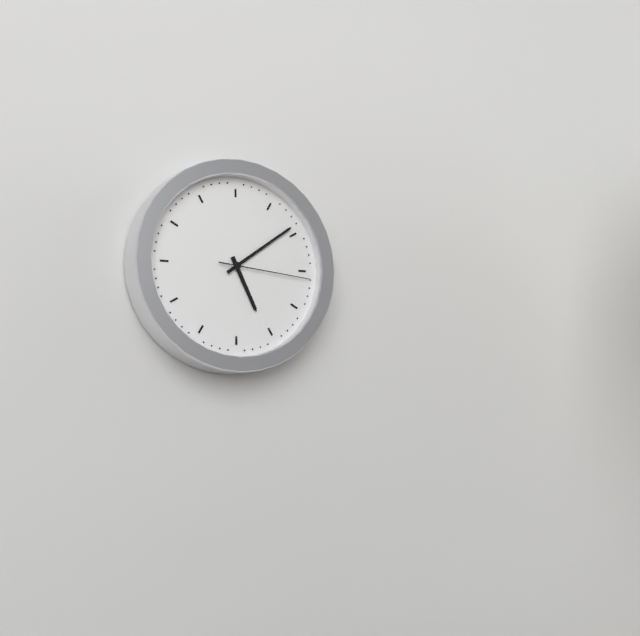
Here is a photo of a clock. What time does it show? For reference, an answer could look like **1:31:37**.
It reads **5:09:16**
